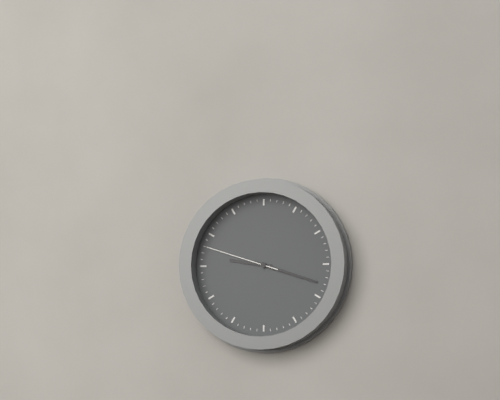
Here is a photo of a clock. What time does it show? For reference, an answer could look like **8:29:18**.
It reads **9:18:48**
